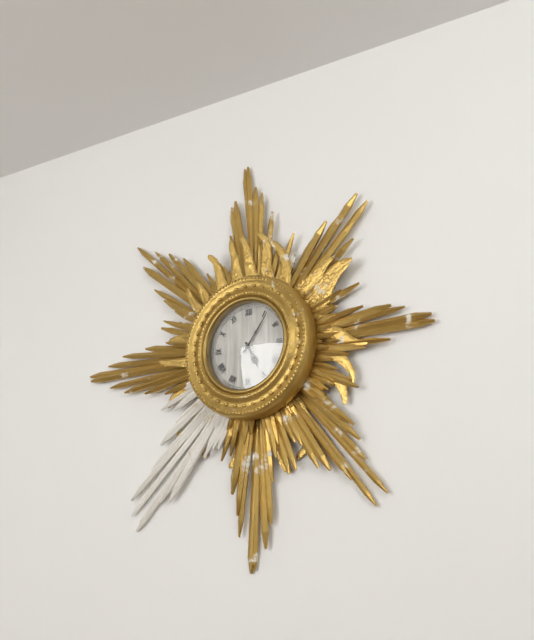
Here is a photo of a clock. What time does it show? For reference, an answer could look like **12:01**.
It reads **5:06**
